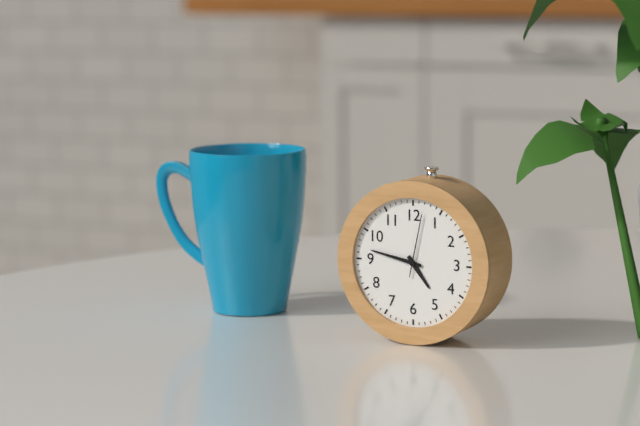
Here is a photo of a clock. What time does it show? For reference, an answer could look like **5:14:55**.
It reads **4:47:02**
